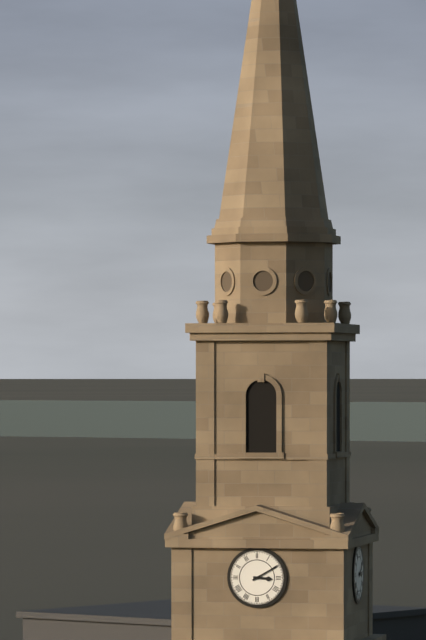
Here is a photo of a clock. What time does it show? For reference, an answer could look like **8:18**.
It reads **3:10**
